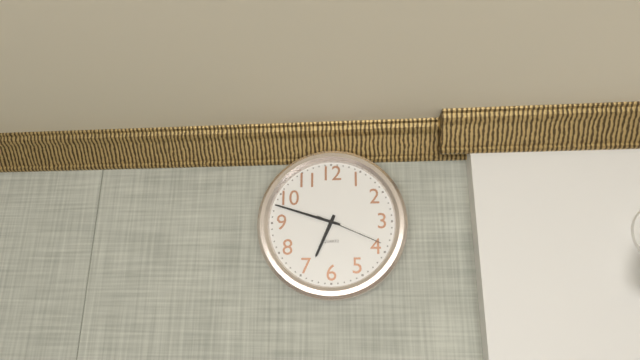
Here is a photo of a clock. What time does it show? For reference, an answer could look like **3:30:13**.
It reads **6:48:19**
